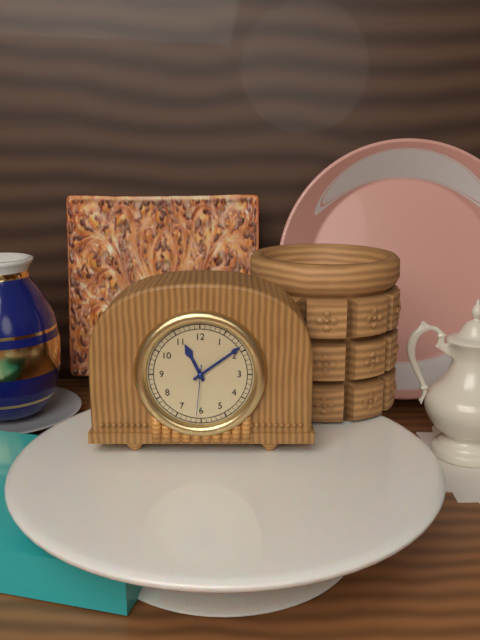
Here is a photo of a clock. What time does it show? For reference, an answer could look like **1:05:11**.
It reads **11:09:31**
